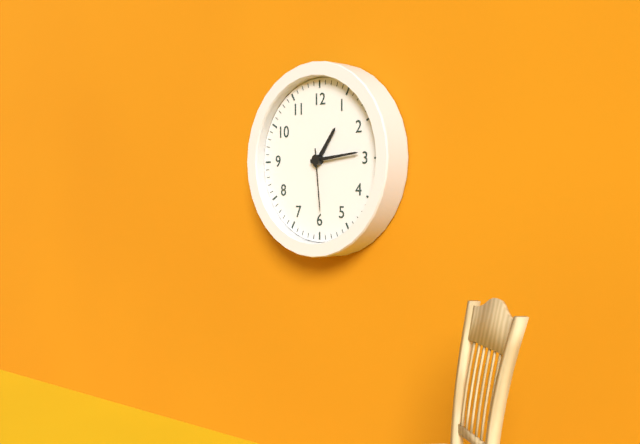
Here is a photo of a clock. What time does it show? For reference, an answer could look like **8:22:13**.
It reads **1:14:29**
